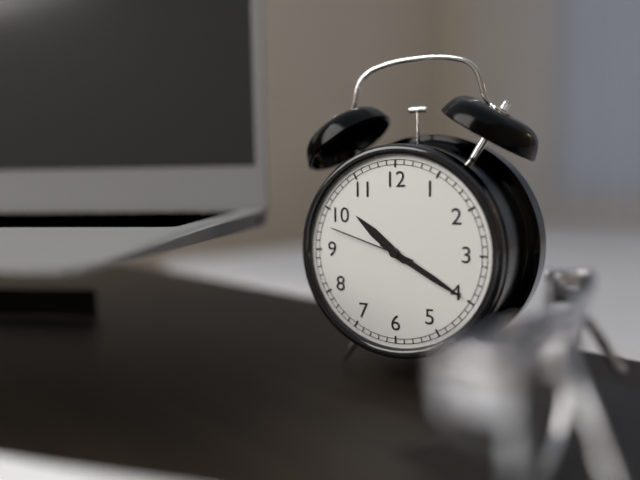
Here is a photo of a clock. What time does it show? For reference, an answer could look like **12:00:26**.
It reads **10:20:48**
